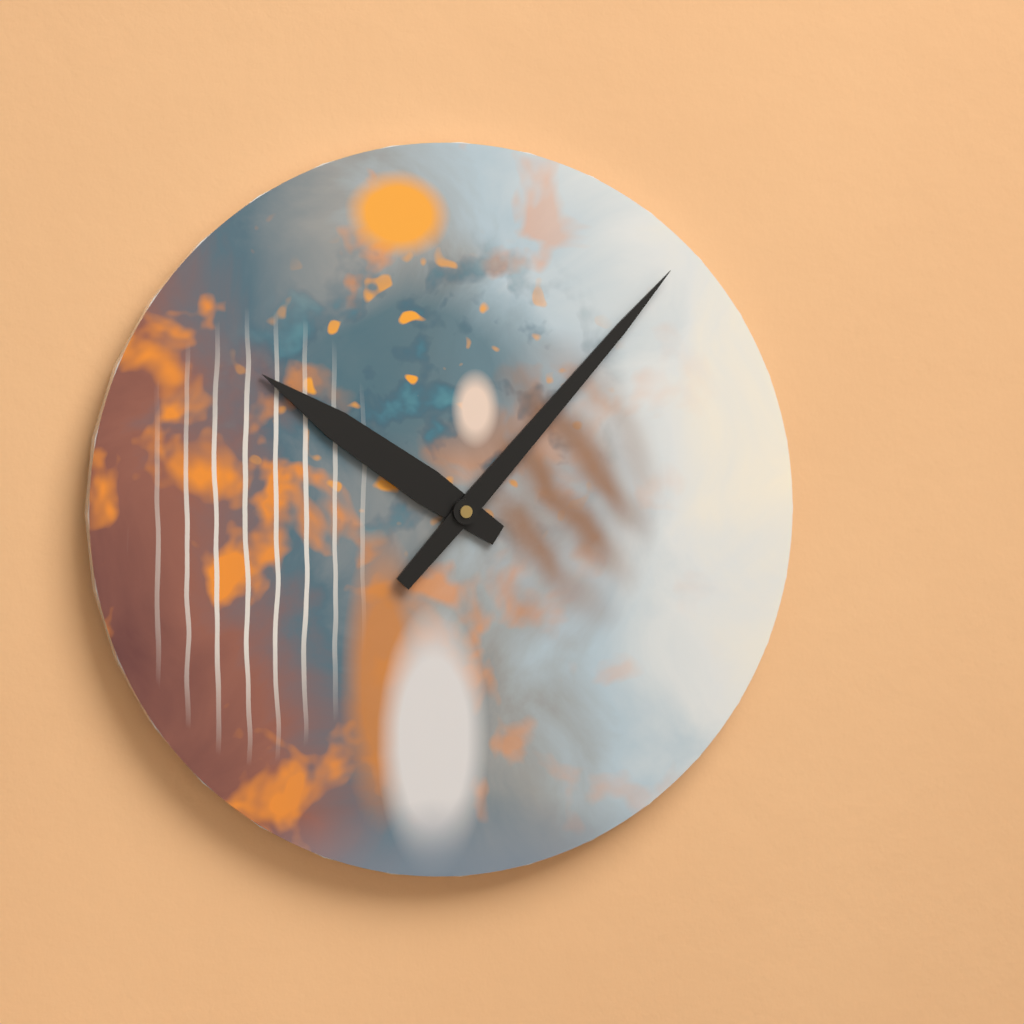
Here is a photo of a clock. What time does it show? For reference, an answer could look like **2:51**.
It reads **10:07**
